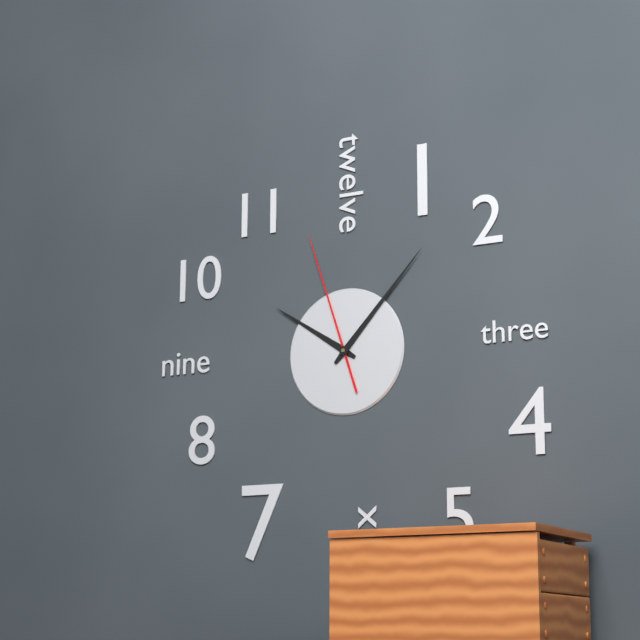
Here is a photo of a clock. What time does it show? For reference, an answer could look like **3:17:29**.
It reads **10:07:57**
